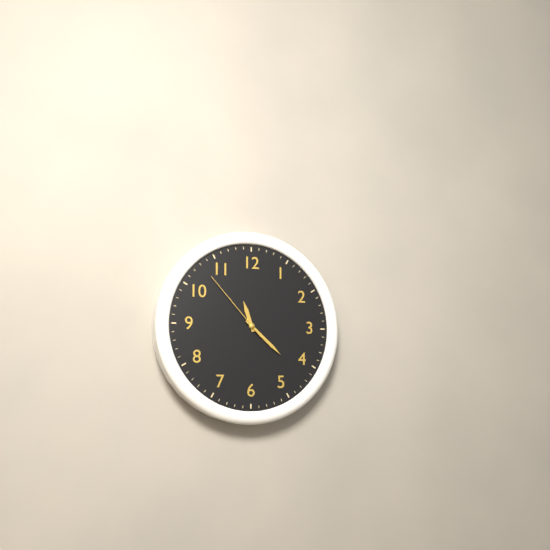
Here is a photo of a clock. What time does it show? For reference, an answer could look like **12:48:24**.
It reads **11:22:53**
